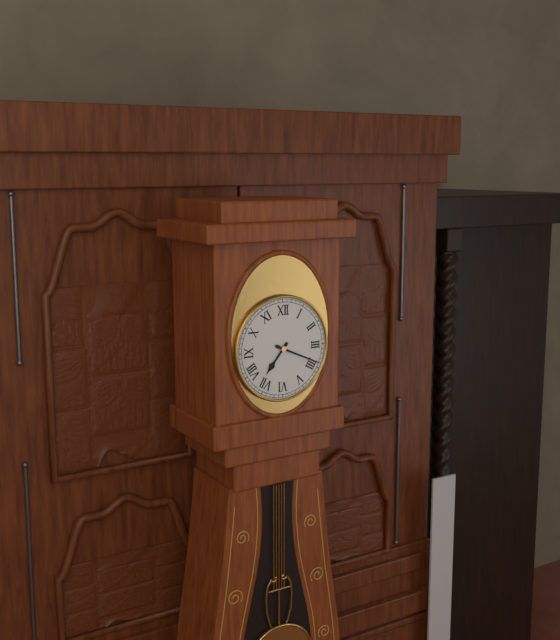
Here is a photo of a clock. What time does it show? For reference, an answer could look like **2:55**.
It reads **7:19**
